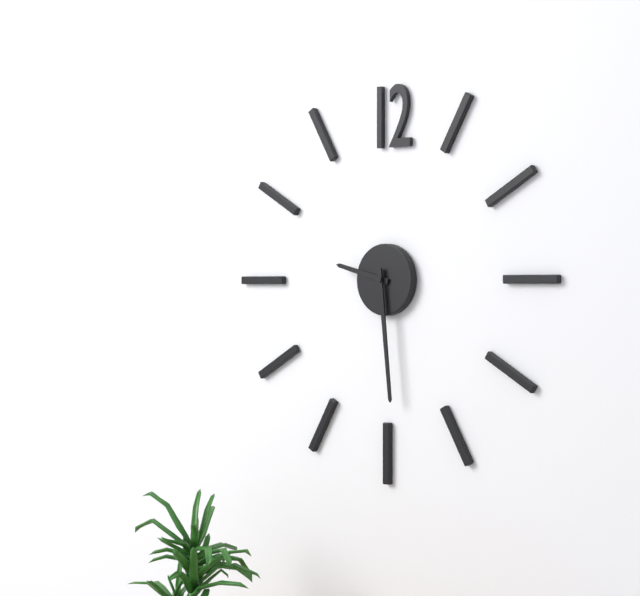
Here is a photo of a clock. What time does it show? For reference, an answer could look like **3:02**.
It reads **9:29**
